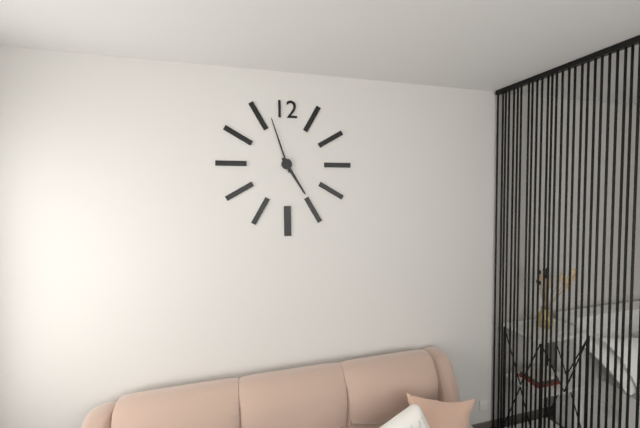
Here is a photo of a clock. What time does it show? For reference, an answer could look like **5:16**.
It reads **4:57**
